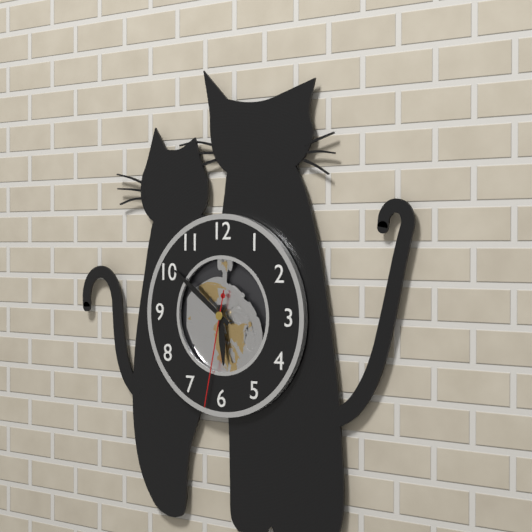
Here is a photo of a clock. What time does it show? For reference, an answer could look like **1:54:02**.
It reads **5:51:32**
